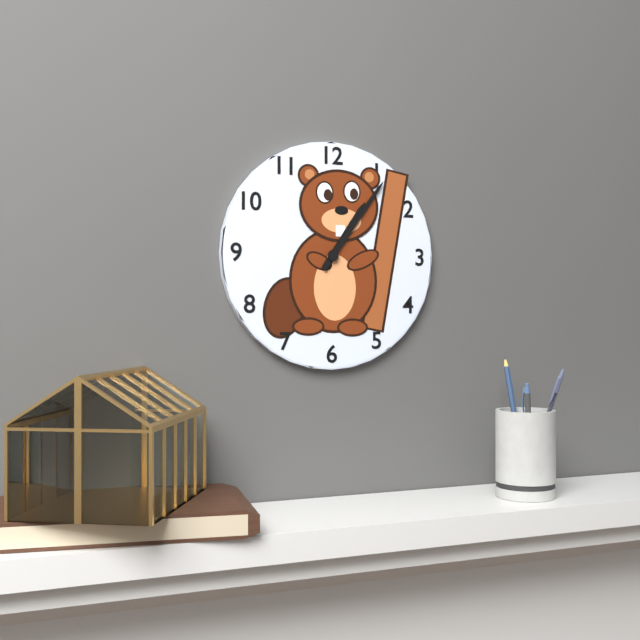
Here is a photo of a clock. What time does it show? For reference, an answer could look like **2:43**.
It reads **1:06**
